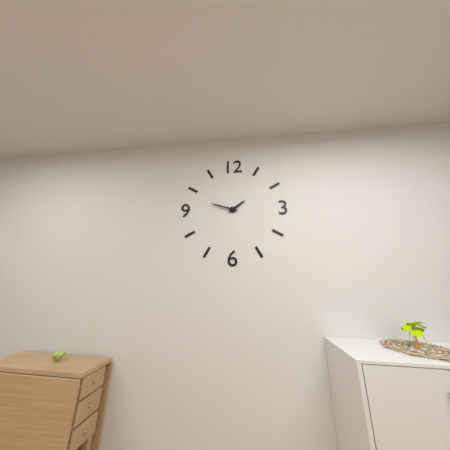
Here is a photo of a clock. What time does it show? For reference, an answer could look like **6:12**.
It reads **1:48**
